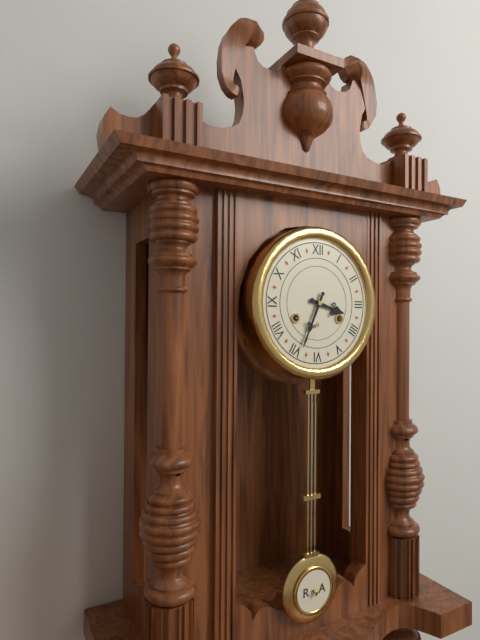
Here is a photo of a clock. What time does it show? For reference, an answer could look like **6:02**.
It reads **3:34**
